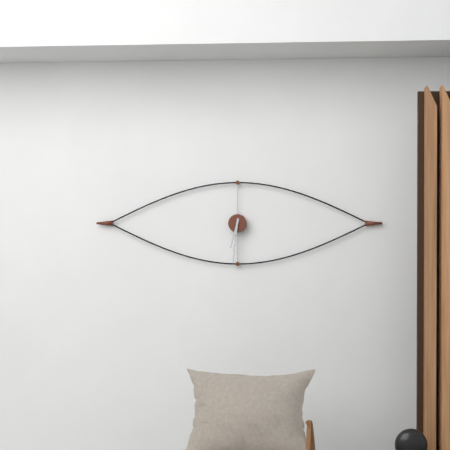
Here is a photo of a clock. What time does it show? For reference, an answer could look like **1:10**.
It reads **6:31**
